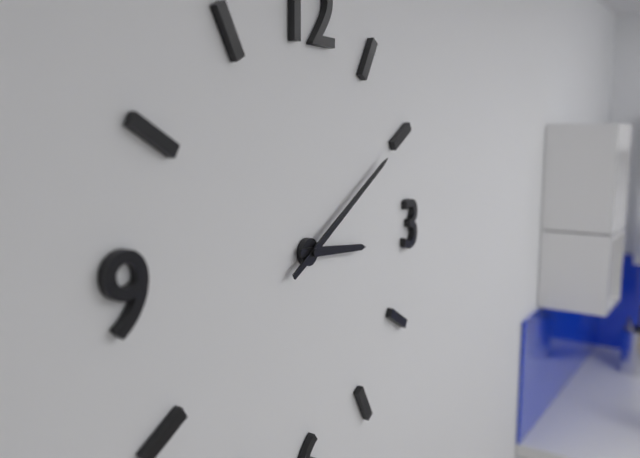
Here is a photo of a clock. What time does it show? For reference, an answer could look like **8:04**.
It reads **3:10**
